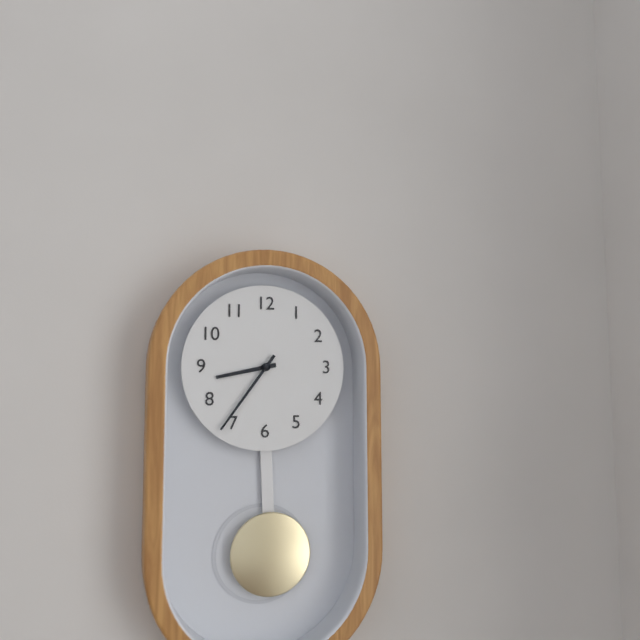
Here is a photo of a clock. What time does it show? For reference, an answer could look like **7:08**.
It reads **8:36**
